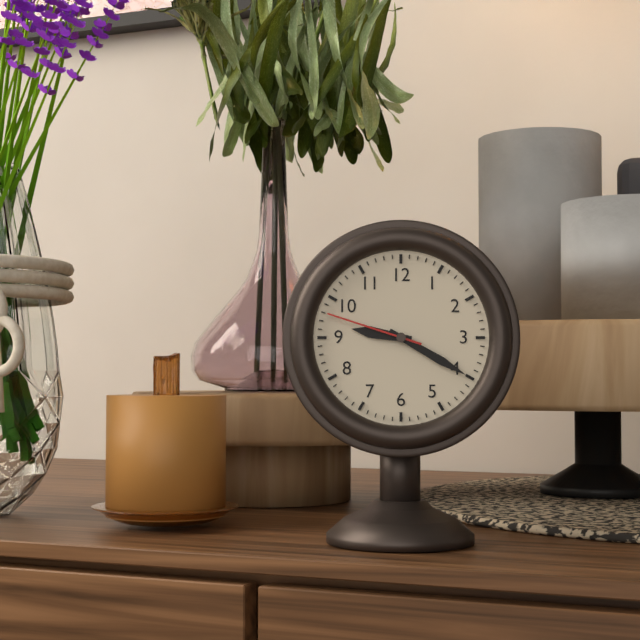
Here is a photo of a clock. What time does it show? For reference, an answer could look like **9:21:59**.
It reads **9:20:48**
